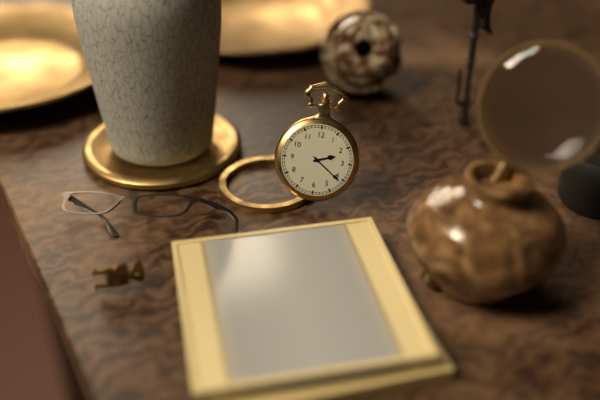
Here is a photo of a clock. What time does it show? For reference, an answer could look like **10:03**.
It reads **2:21**
